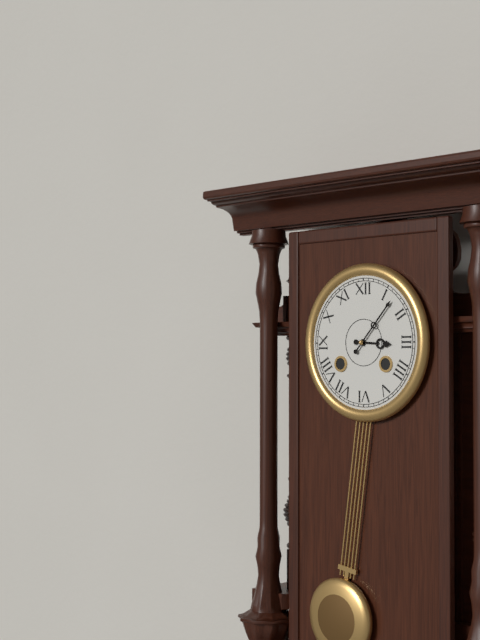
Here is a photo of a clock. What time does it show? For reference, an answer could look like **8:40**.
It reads **3:07**
